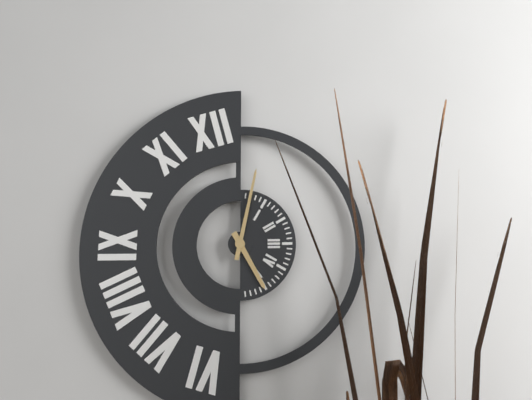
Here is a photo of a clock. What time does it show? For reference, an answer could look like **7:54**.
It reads **5:02**
